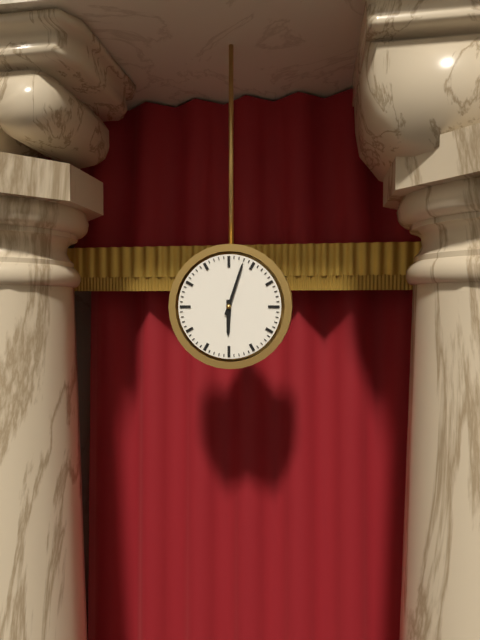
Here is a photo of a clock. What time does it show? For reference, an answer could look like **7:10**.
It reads **6:03**
